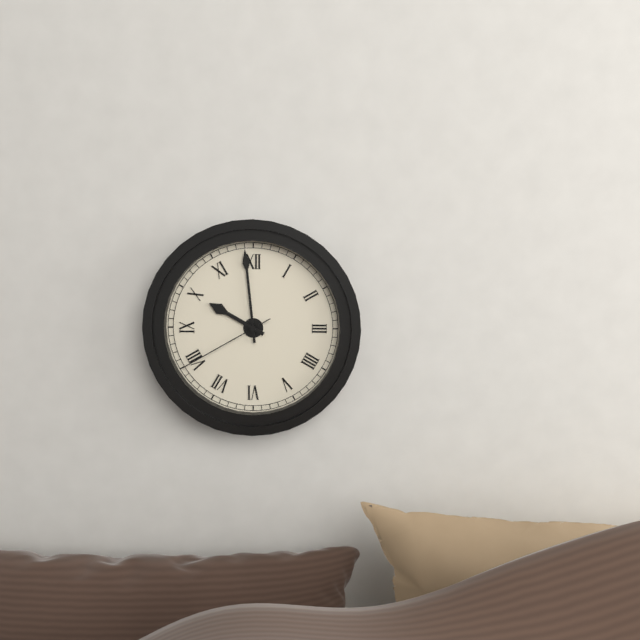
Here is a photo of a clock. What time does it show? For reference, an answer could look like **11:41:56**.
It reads **9:59:40**
